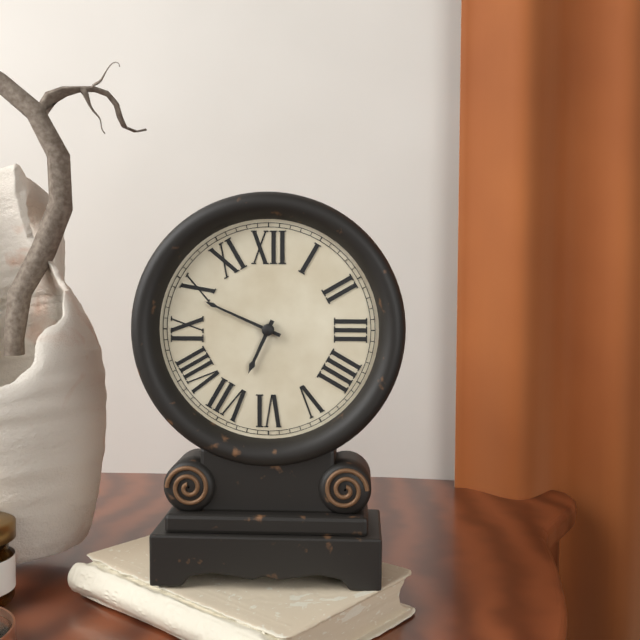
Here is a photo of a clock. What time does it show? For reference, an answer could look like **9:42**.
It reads **6:49**
